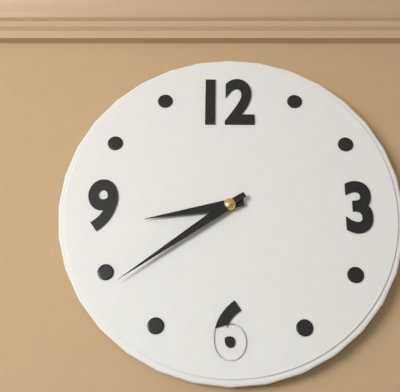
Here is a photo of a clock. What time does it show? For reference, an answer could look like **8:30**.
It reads **8:39**
